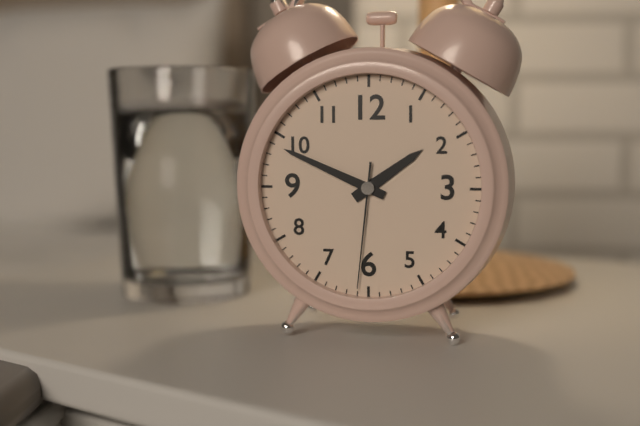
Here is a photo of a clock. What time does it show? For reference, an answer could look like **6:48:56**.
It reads **1:49:31**
